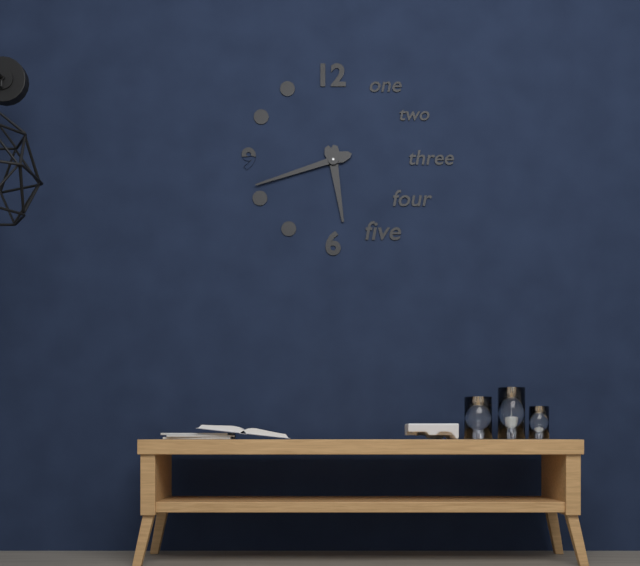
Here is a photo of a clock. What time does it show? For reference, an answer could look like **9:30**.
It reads **5:42**
